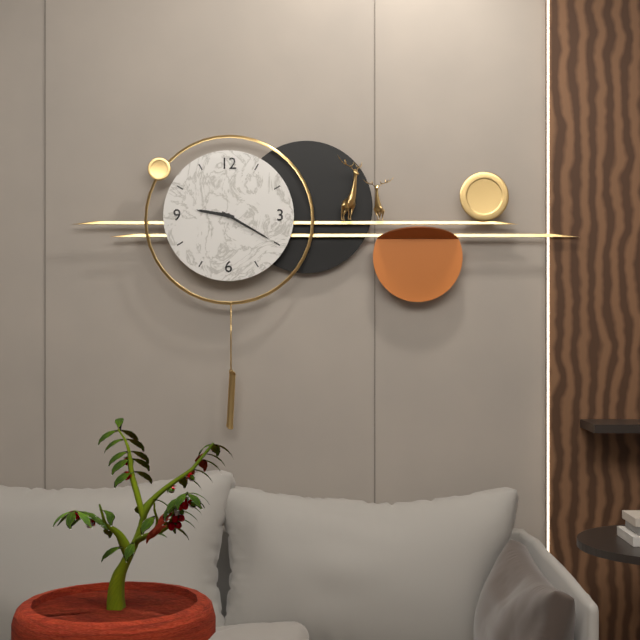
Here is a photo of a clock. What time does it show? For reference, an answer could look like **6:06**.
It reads **9:20**
